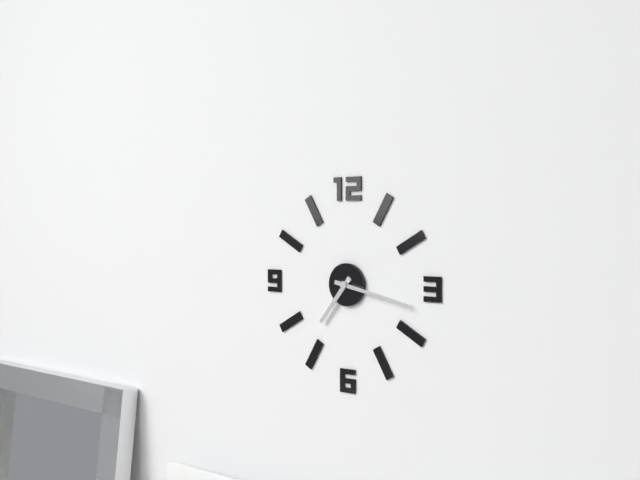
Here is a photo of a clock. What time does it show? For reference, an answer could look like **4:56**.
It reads **7:17**
